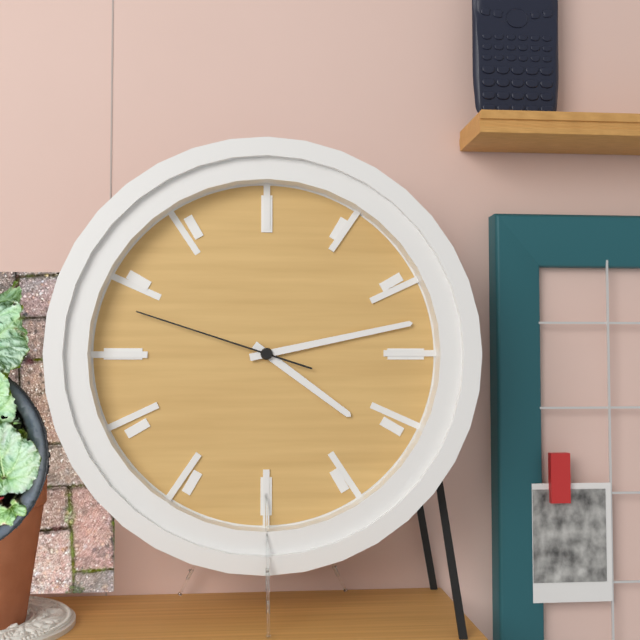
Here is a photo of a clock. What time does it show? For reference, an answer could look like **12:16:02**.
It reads **4:13:48**
